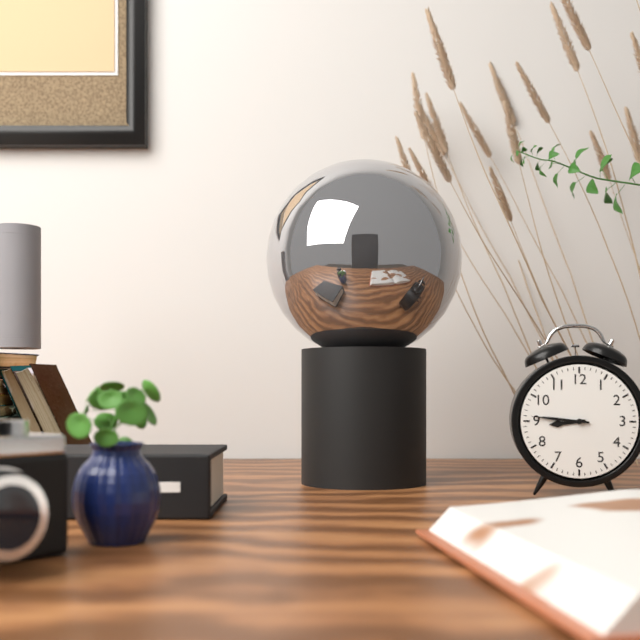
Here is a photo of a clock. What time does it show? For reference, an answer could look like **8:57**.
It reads **8:46**
